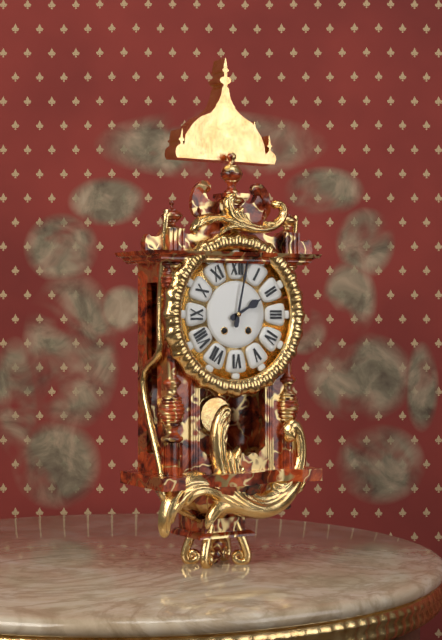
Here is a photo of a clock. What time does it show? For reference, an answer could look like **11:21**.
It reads **2:02**
